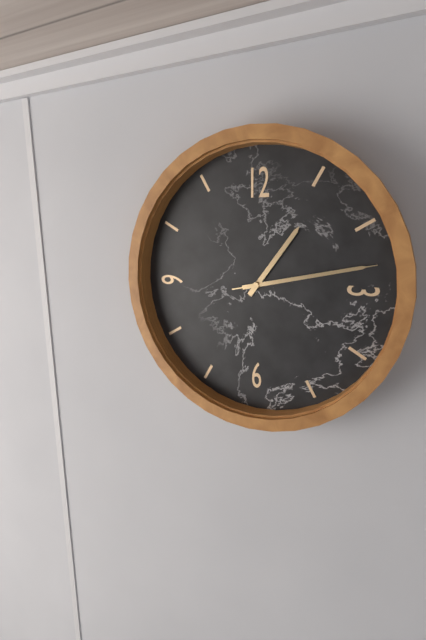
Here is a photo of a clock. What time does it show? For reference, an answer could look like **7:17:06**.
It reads **1:13:13**
